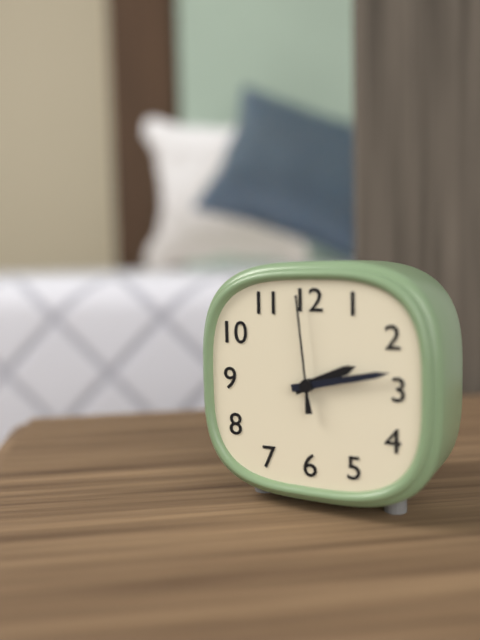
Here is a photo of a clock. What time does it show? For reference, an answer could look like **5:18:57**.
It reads **2:13:59**
